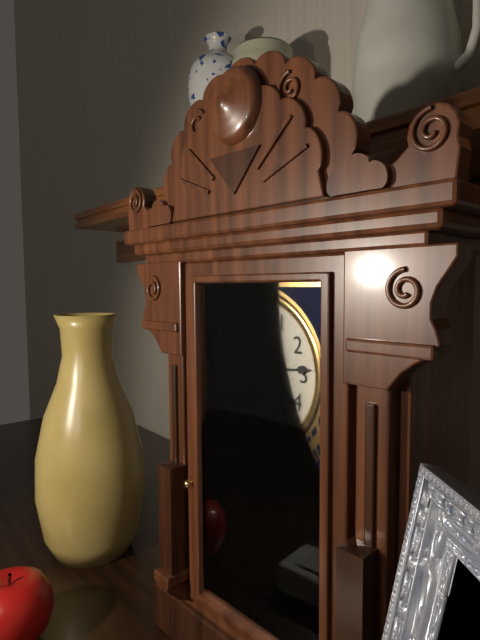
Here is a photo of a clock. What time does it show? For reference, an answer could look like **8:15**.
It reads **11:14**
